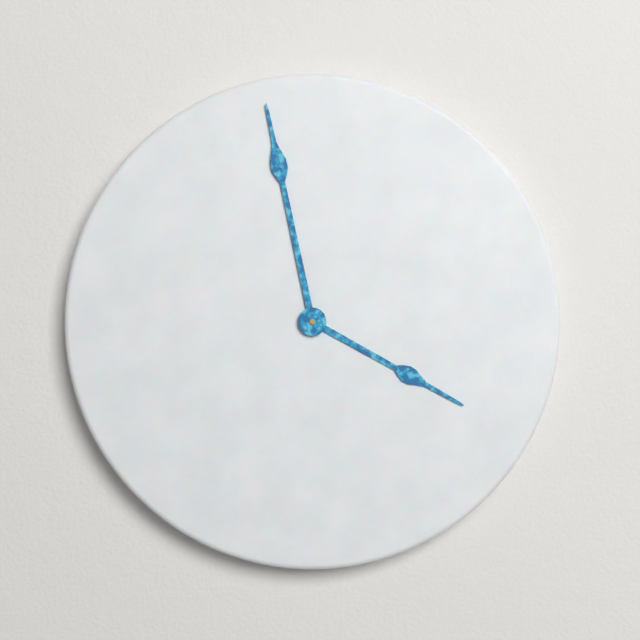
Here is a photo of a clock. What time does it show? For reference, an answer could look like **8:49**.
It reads **3:58**
